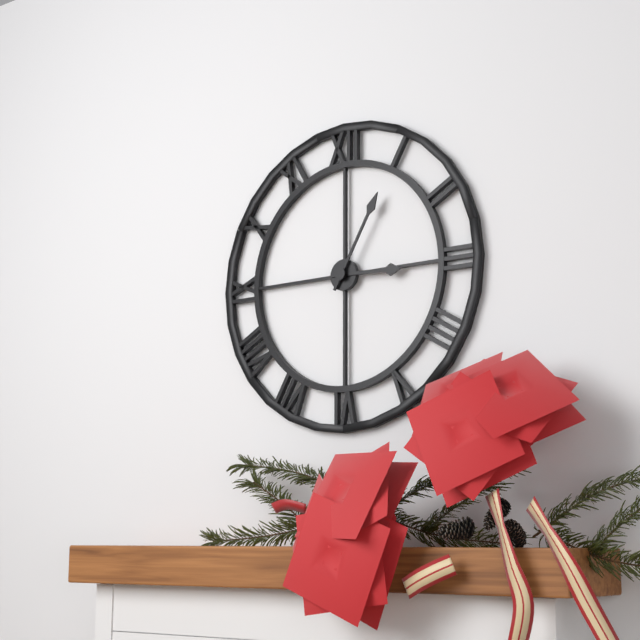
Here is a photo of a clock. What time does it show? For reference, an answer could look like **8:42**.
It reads **3:05**
